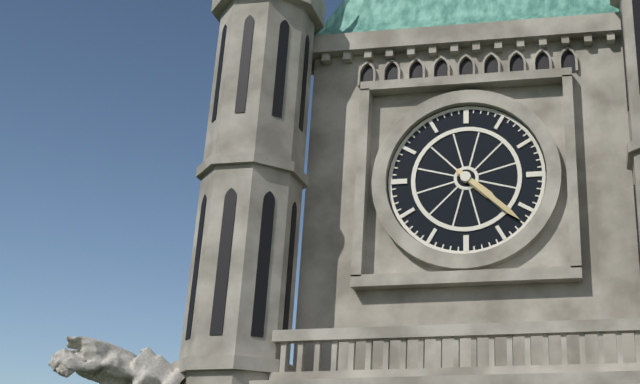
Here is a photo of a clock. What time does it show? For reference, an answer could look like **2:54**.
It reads **4:22**
